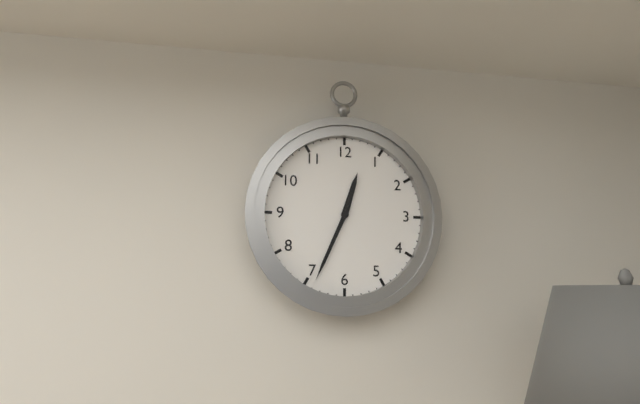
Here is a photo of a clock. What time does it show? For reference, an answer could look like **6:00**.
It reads **12:34**
